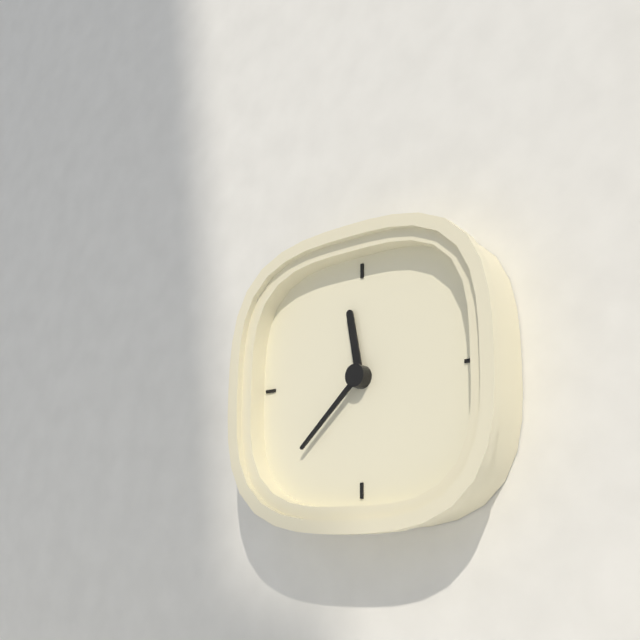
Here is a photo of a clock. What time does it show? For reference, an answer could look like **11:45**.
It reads **11:38**
